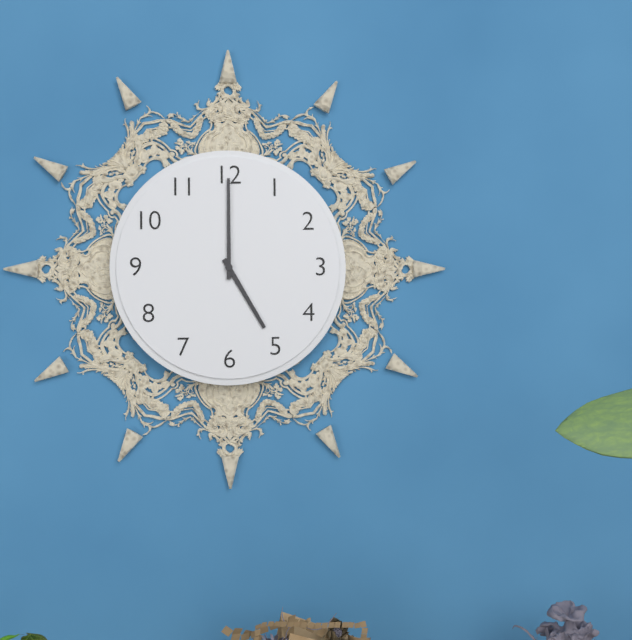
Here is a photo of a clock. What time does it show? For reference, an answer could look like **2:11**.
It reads **5:00**
